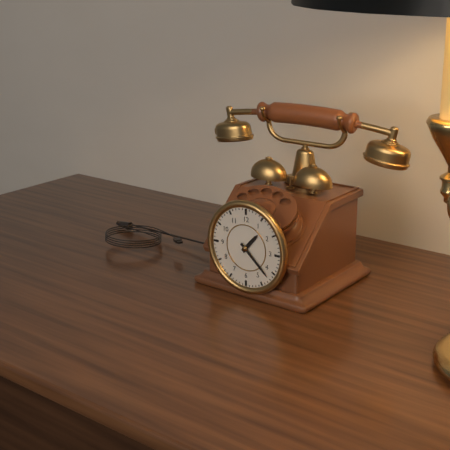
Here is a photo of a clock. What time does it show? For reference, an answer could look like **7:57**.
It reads **1:22**
